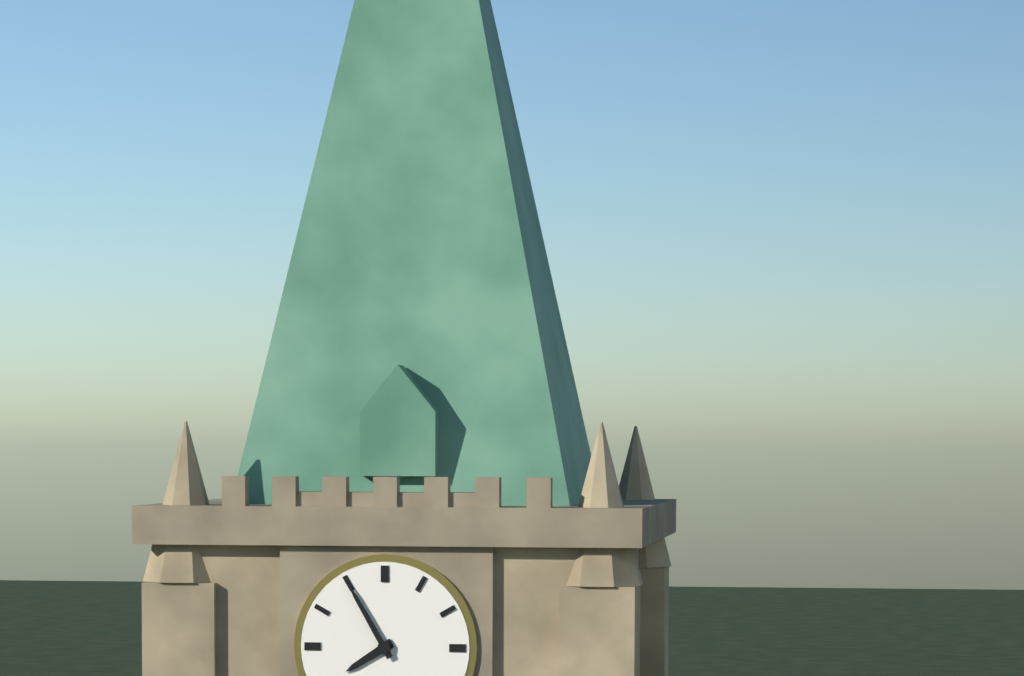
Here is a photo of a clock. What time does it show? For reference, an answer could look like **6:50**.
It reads **7:55**
